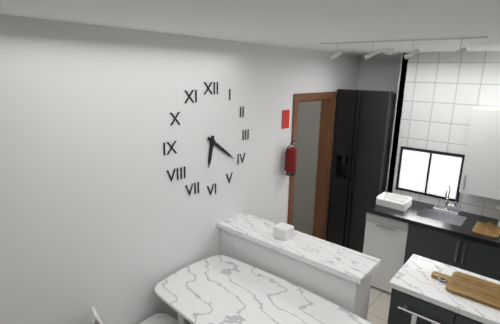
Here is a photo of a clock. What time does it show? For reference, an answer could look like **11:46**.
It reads **6:21**
